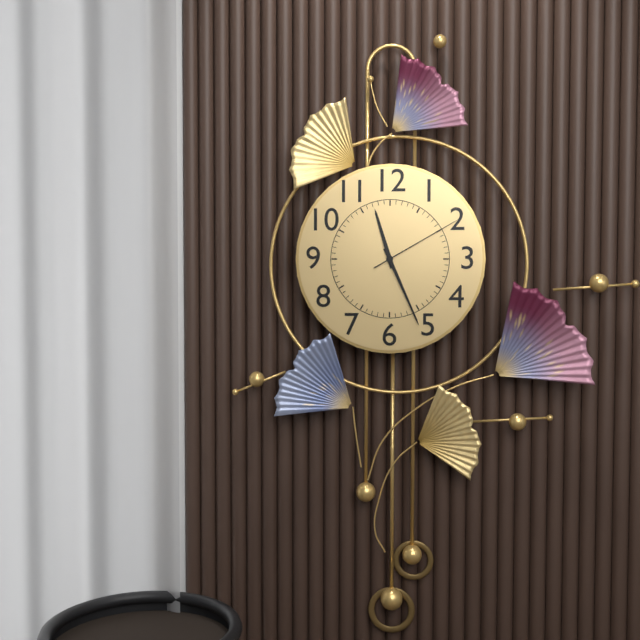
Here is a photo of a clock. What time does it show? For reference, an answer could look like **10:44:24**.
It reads **11:26:10**
